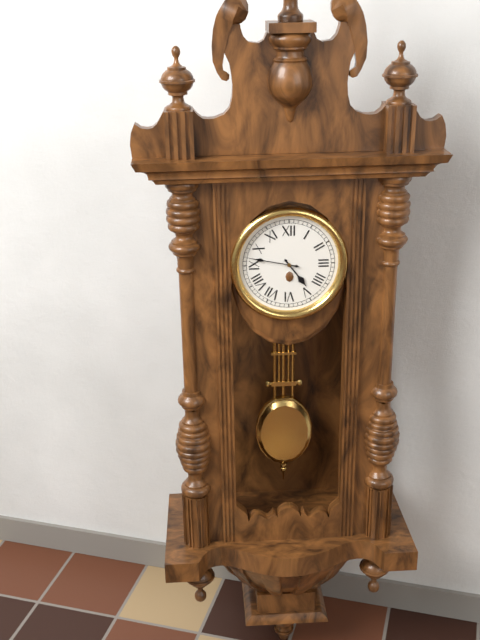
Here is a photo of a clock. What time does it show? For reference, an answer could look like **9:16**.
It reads **4:47**
